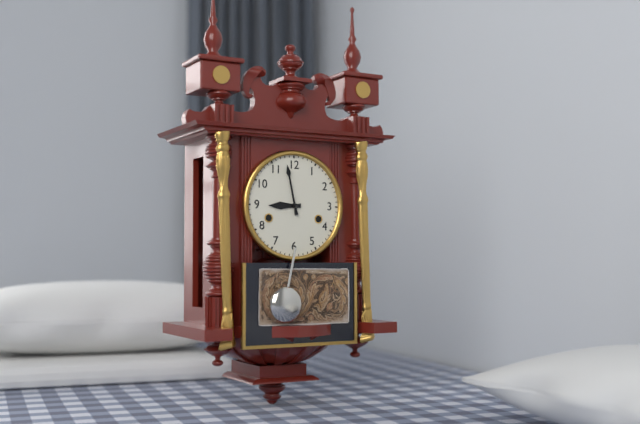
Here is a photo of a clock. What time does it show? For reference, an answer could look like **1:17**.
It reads **8:58**
